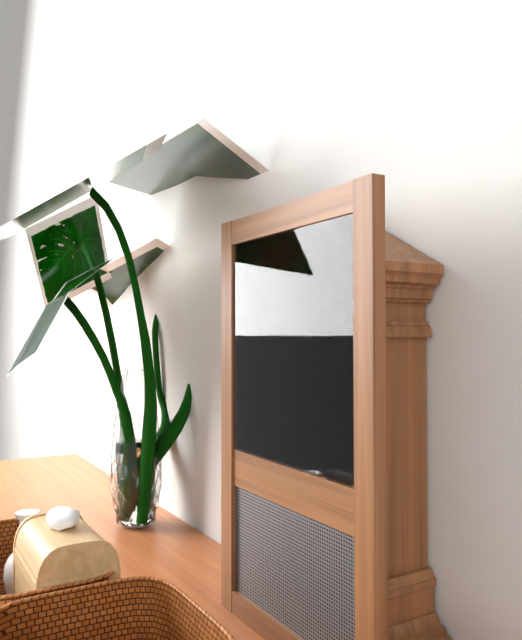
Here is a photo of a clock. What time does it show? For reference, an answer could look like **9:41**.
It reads **2:49**
